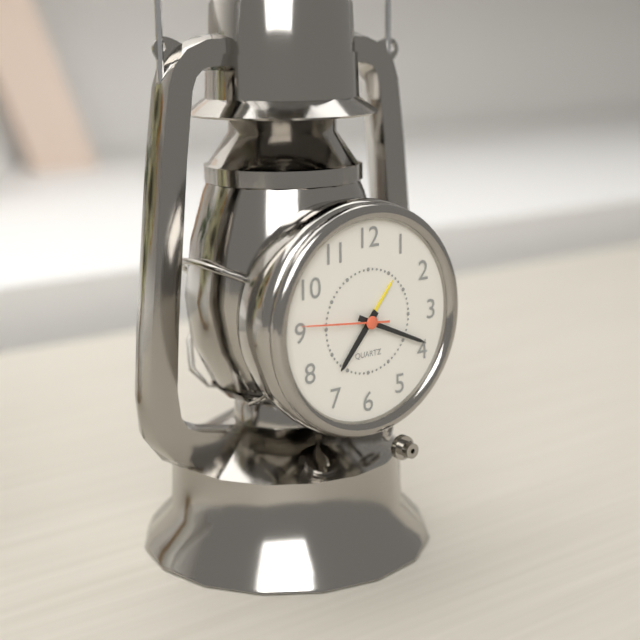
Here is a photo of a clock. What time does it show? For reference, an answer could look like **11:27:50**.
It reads **7:19:46**
